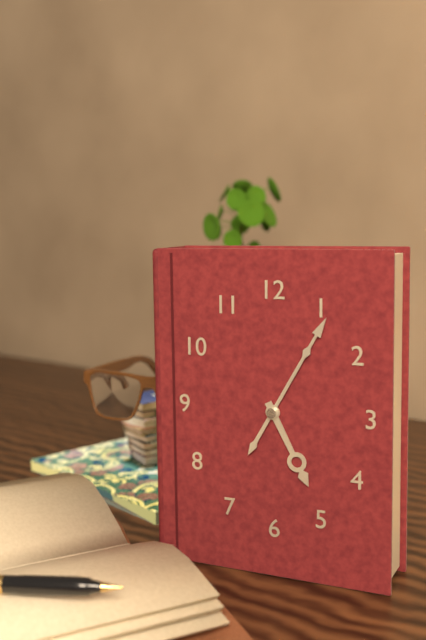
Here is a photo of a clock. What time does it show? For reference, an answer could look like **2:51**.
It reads **5:05**
